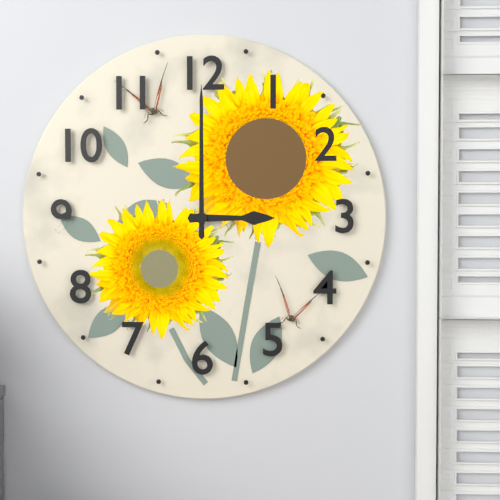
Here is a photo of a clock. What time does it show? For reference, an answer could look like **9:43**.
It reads **3:00**
